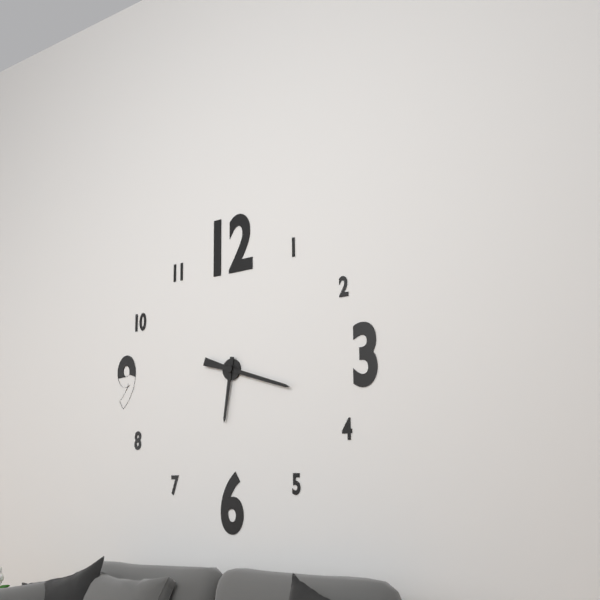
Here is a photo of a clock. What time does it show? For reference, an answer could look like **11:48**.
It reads **6:18**
